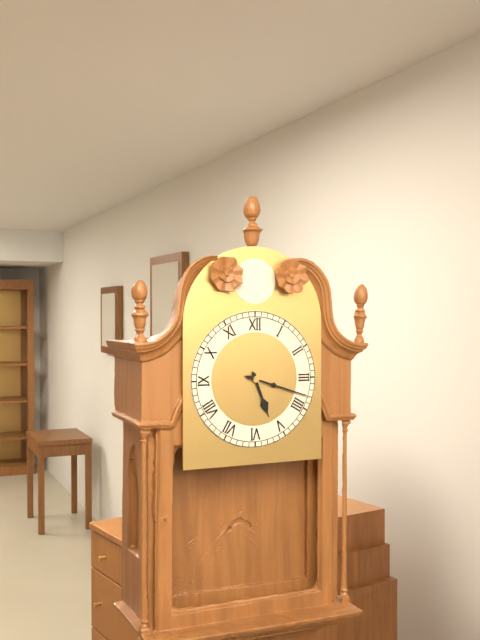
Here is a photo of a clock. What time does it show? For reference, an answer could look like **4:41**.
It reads **5:18**
